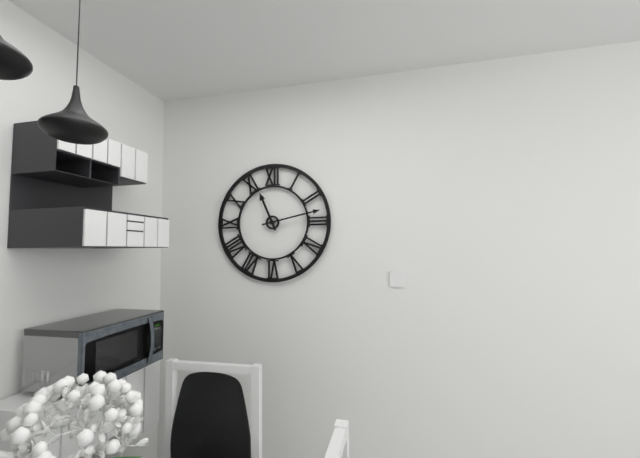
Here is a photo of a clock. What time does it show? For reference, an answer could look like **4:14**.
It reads **11:13**
